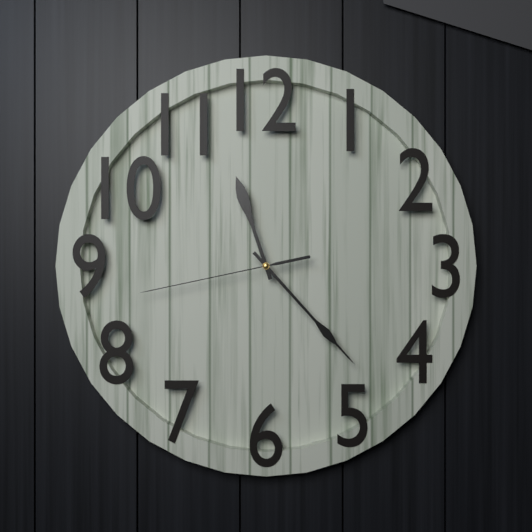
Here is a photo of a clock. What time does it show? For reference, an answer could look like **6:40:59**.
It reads **11:23:43**
